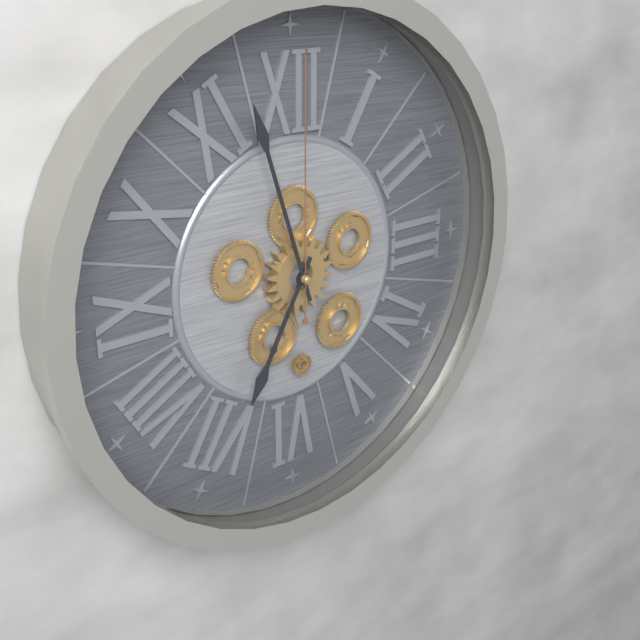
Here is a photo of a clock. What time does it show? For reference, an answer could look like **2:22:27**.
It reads **6:57:00**
